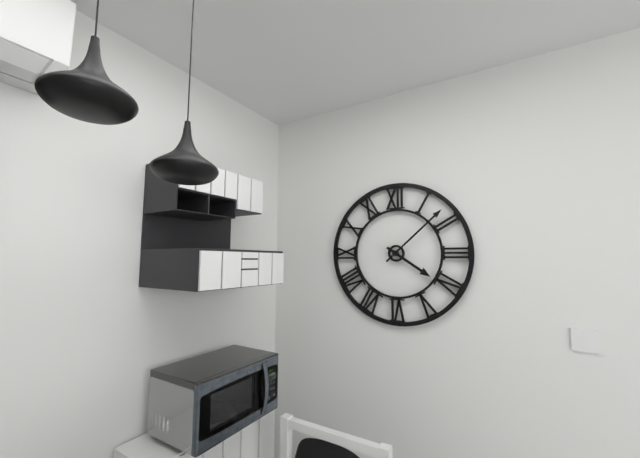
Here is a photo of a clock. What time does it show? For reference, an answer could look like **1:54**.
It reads **4:08**
